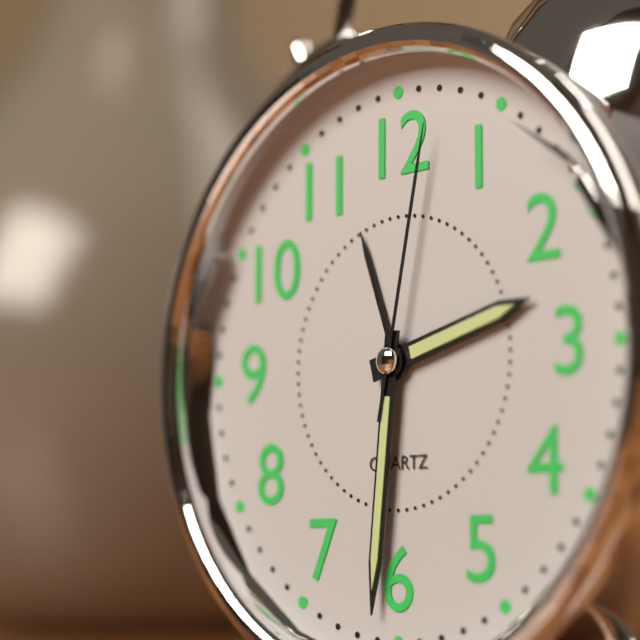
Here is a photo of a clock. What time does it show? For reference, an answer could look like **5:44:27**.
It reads **2:31:02**
